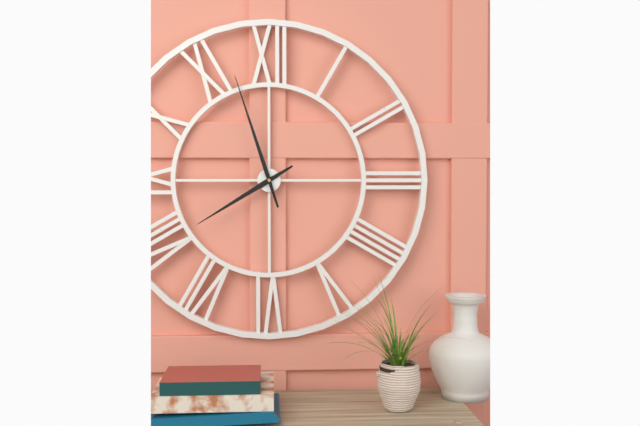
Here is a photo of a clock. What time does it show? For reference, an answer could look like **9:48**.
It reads **7:57**
